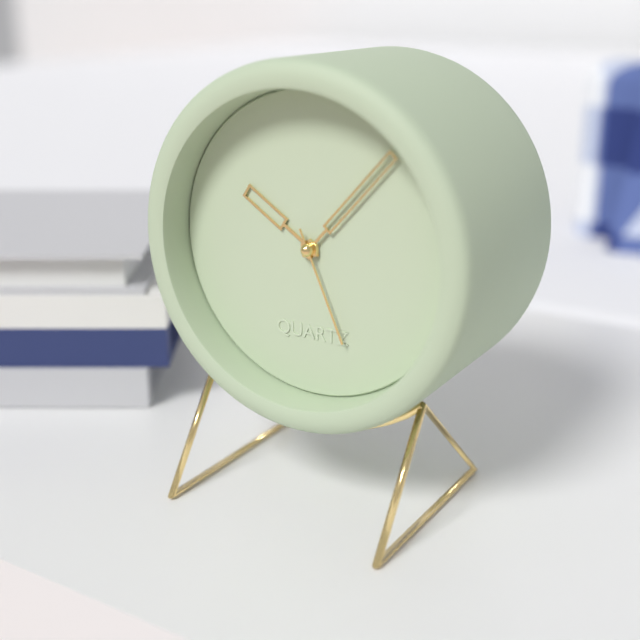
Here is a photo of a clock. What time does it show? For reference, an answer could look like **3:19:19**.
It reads **10:07:26**
